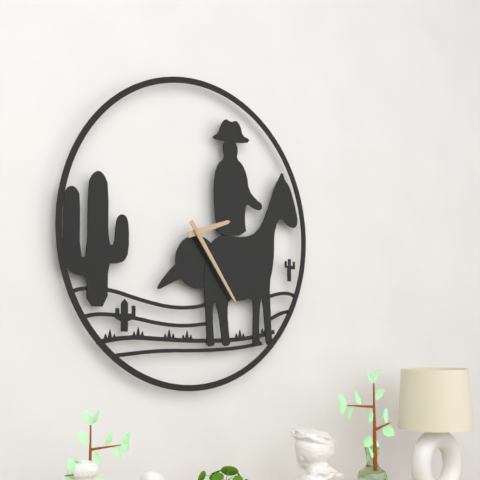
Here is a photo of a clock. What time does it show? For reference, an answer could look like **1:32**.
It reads **2:24**
